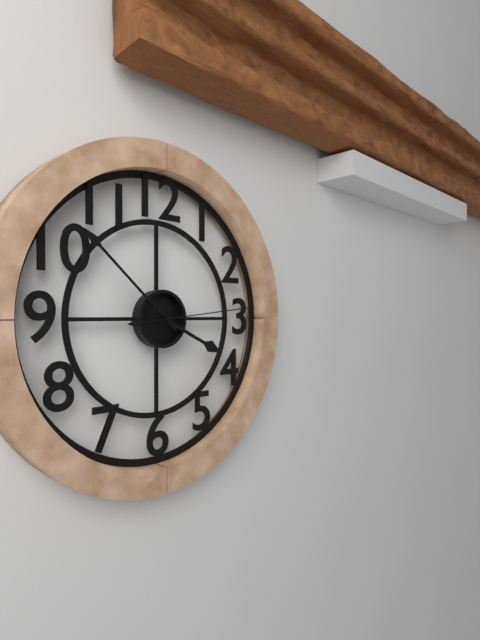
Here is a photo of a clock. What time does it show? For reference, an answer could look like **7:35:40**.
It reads **3:52:14**
